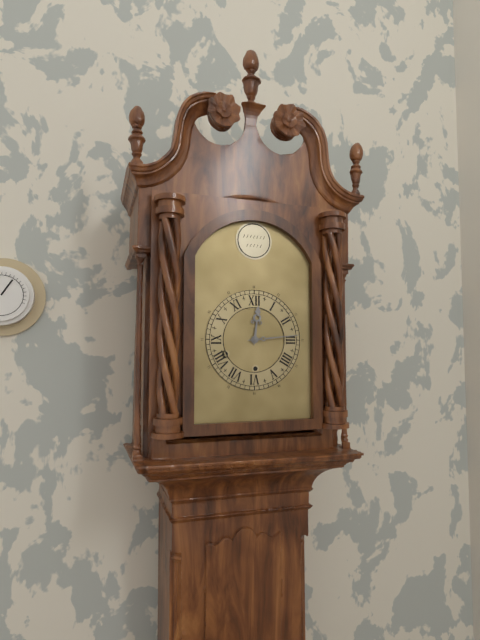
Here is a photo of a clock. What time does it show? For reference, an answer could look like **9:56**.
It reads **12:14**
